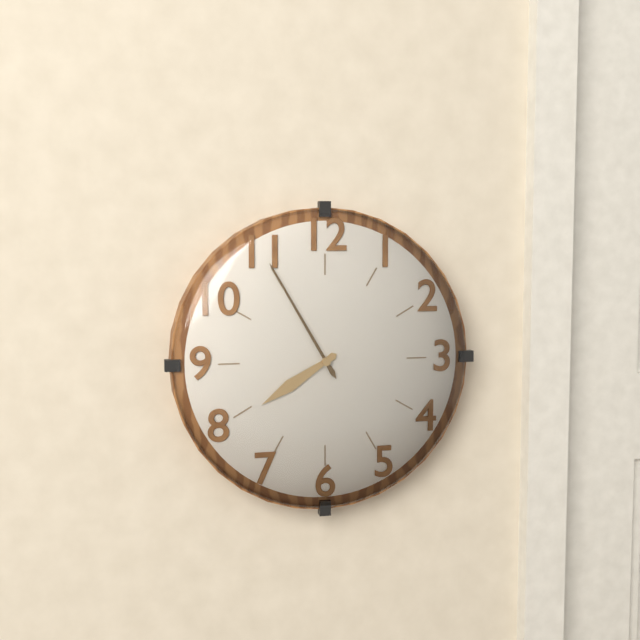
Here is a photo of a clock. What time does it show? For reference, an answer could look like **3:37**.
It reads **7:55**
